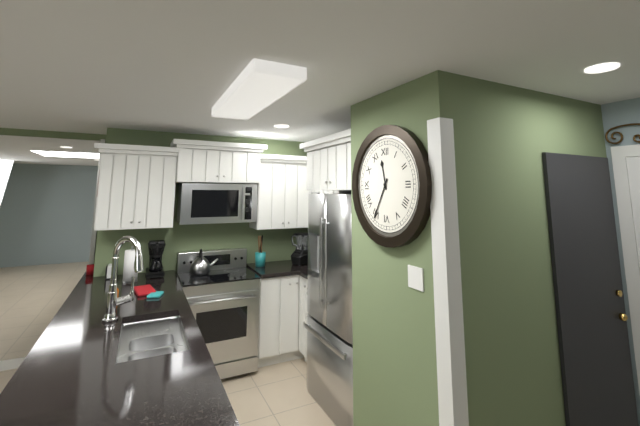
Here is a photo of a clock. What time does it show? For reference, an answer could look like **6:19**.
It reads **11:35**
